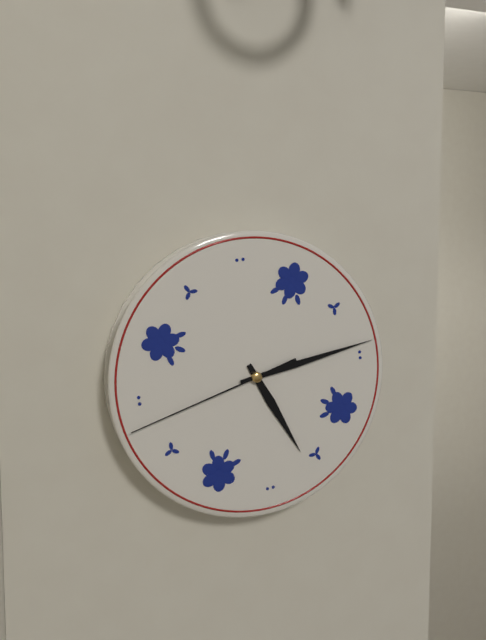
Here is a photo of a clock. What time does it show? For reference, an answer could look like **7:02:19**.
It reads **5:14:43**
